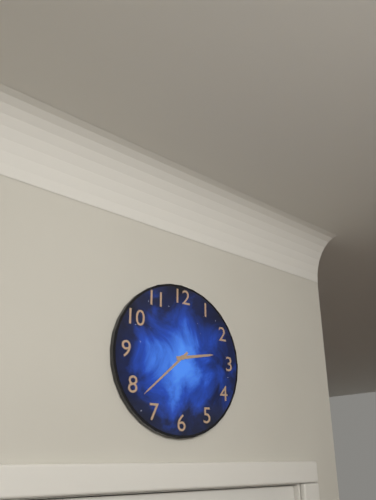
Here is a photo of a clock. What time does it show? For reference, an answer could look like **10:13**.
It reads **2:38**
